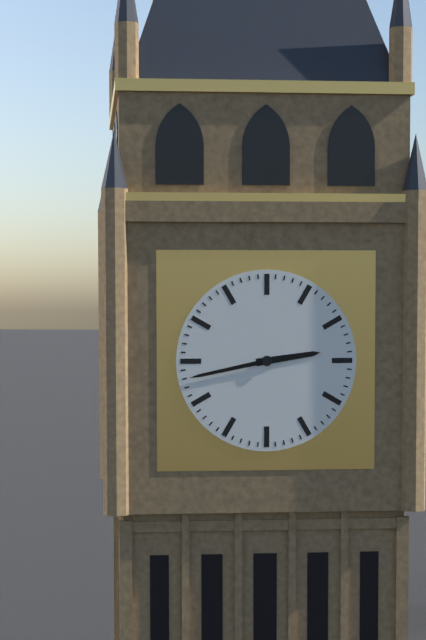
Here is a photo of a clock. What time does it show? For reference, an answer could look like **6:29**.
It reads **2:43**
